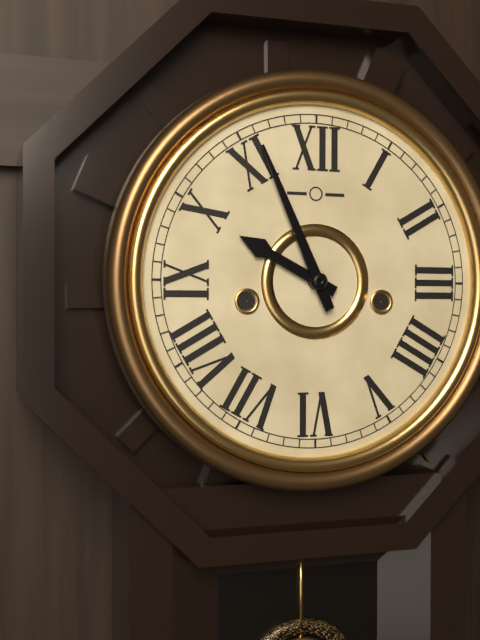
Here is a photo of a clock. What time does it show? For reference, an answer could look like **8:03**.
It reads **9:56**
